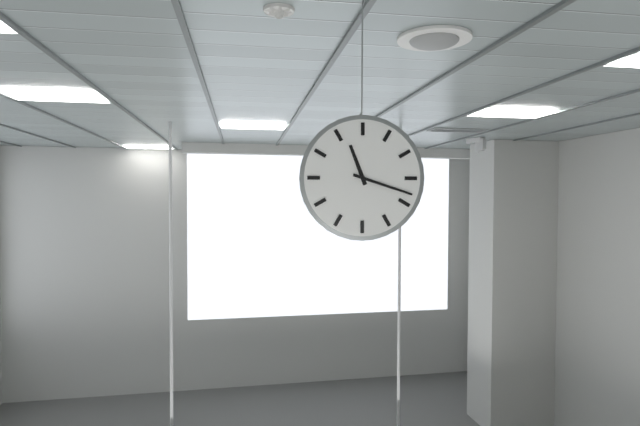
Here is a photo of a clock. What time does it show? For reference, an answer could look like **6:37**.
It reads **11:18**
